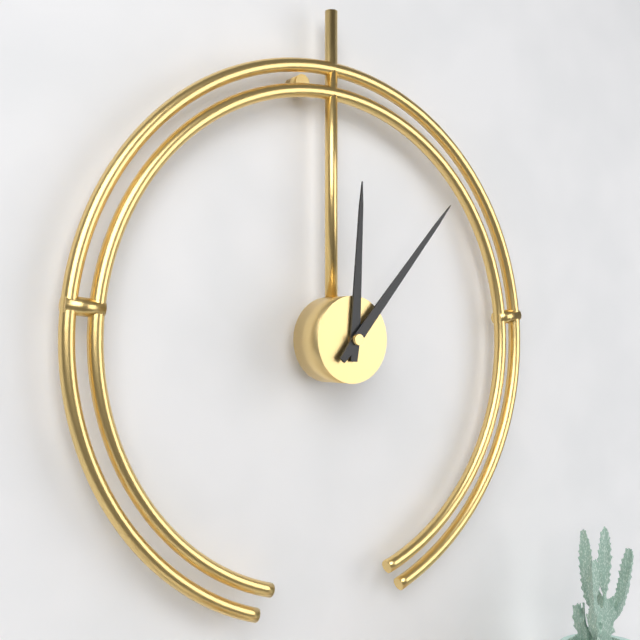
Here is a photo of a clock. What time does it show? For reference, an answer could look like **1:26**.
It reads **12:07**
